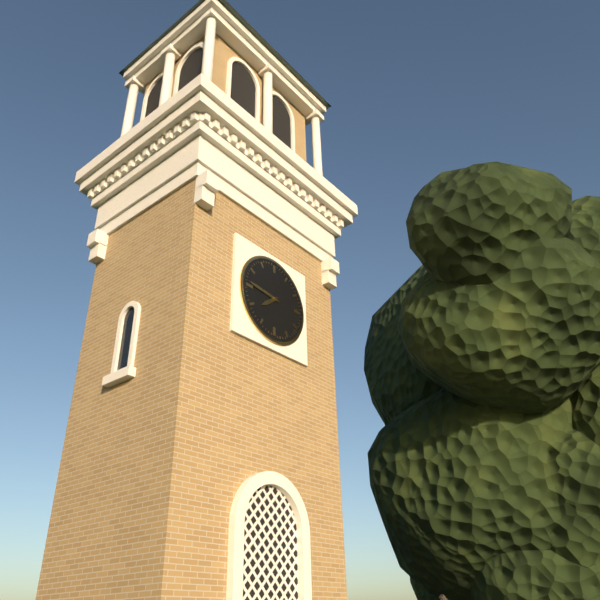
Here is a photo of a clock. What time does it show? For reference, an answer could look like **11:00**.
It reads **7:46**
